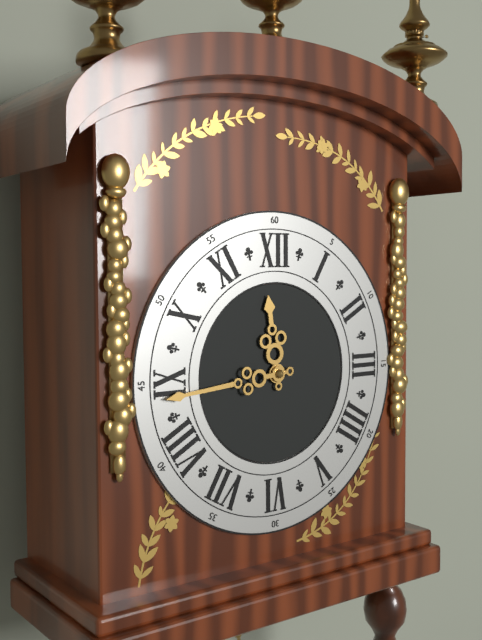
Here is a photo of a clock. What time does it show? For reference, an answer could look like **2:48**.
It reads **11:44**
